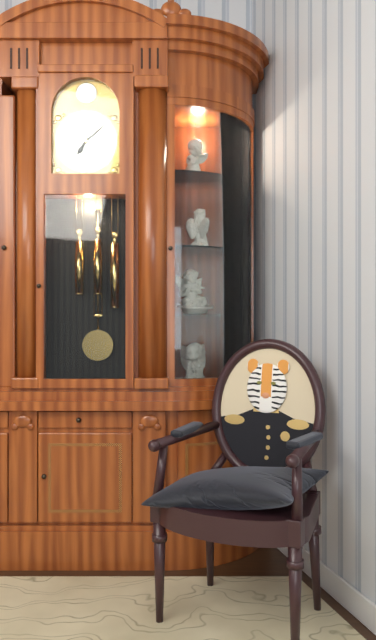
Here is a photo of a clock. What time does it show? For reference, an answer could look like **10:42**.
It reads **7:08**
